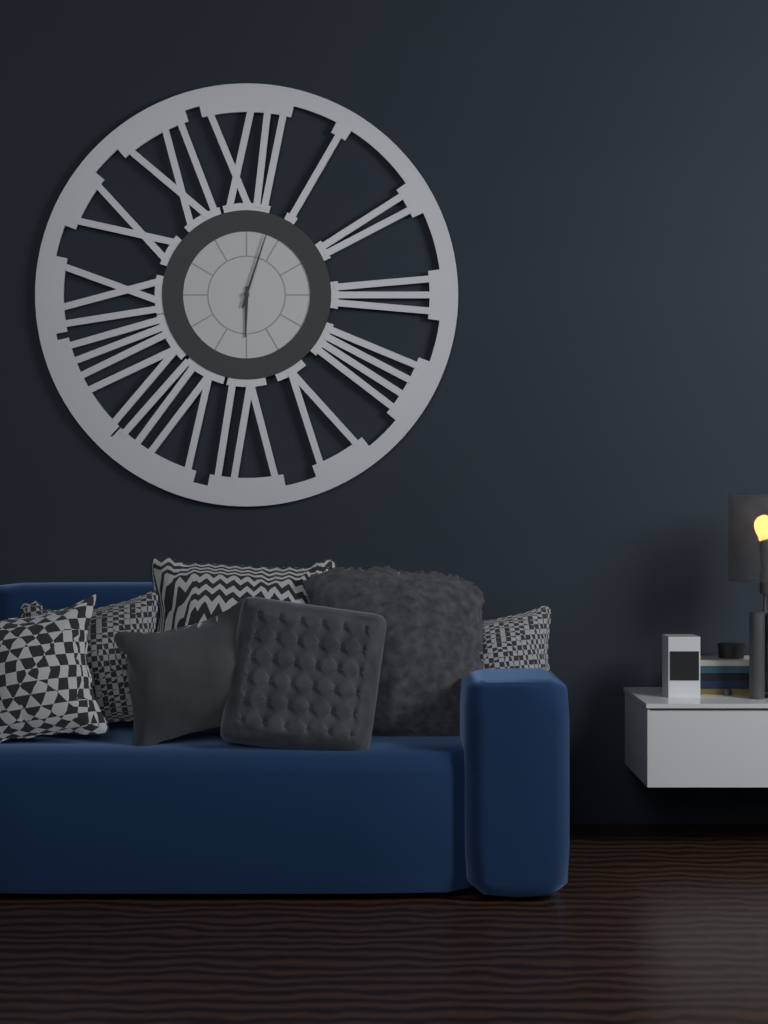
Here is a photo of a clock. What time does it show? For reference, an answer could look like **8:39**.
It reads **6:03**
